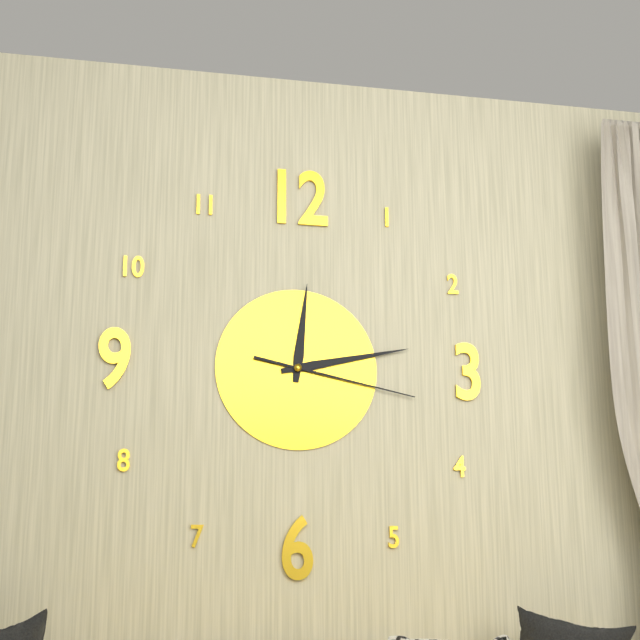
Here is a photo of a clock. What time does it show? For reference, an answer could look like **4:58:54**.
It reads **12:13:17**
